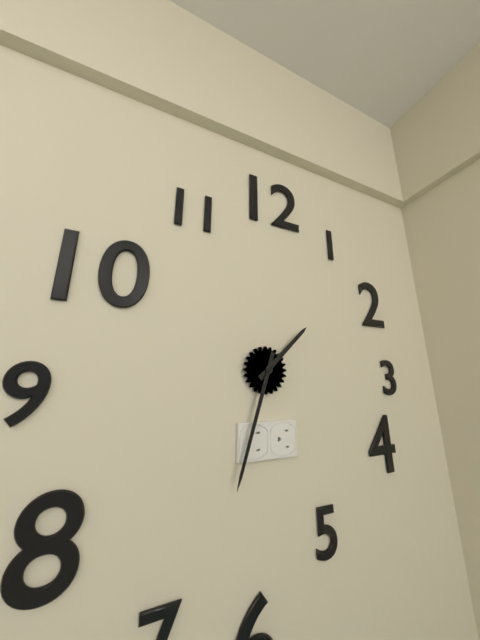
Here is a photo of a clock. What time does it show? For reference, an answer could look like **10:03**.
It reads **1:33**
